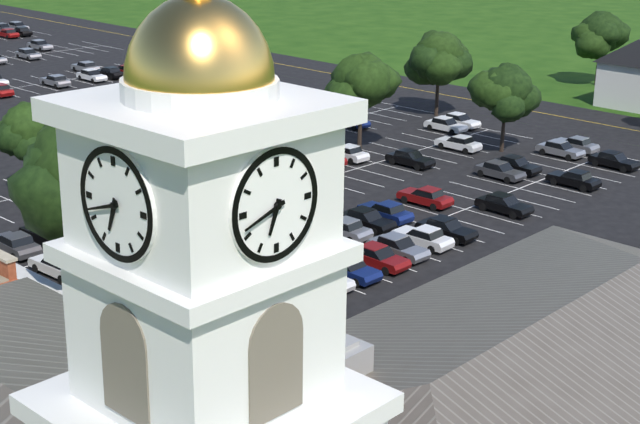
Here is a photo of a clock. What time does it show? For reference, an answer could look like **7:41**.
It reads **6:42**
